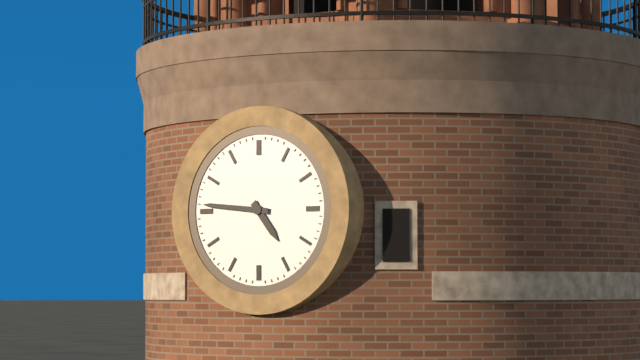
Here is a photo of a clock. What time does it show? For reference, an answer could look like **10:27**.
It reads **4:46**
